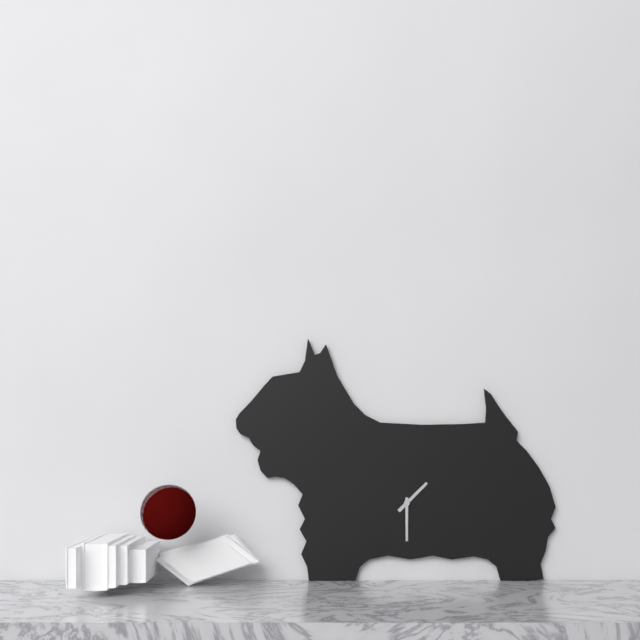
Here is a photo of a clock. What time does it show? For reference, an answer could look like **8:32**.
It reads **1:30**
